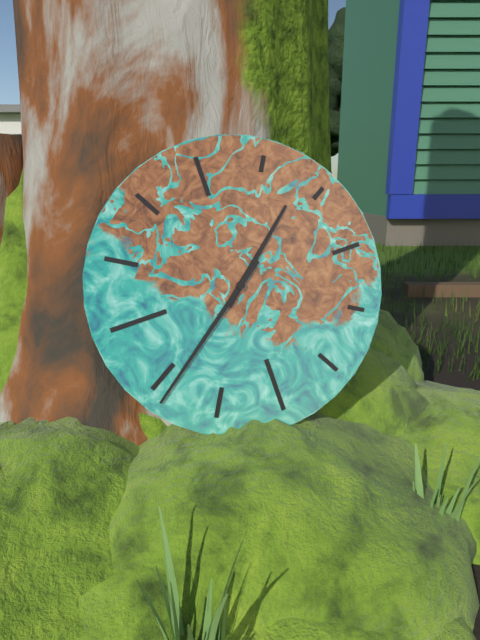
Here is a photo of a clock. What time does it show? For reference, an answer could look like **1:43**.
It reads **1:39**
